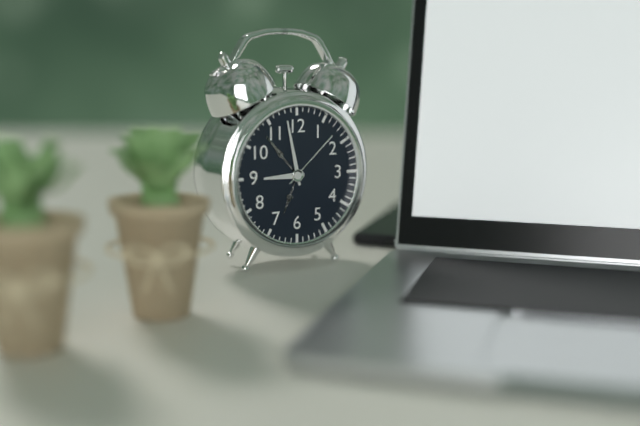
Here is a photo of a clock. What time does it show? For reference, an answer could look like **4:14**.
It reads **8:58**
